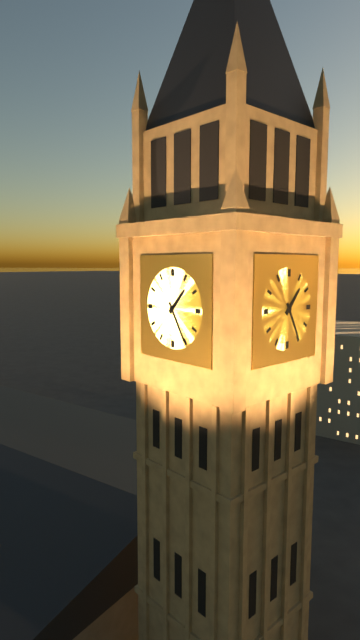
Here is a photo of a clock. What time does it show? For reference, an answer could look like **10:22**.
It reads **1:25**
